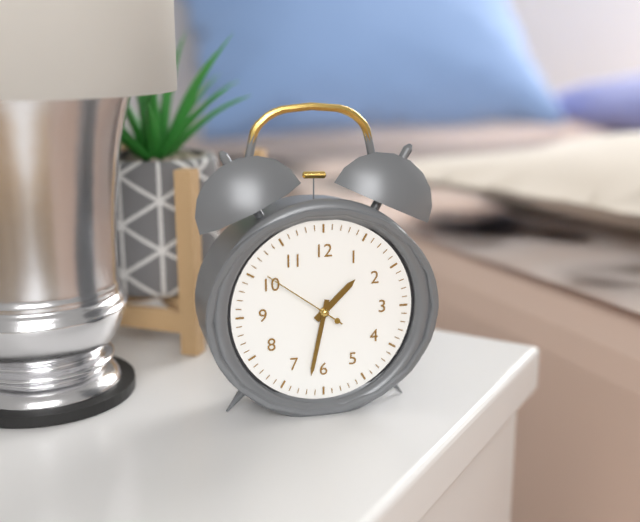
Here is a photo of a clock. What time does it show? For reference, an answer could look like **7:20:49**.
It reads **1:32:51**
